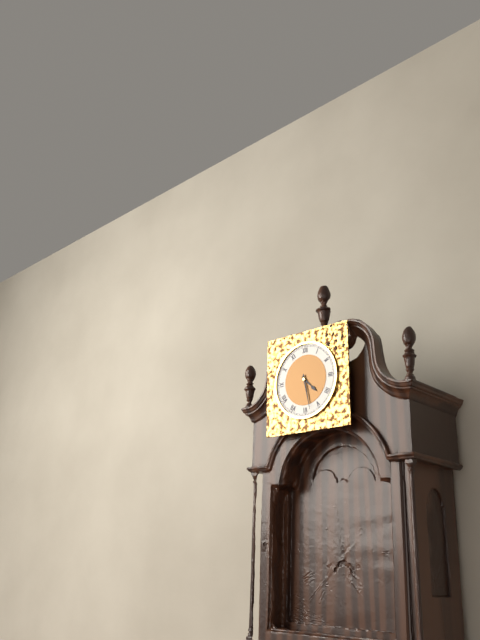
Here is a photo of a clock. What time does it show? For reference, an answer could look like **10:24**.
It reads **4:28**
